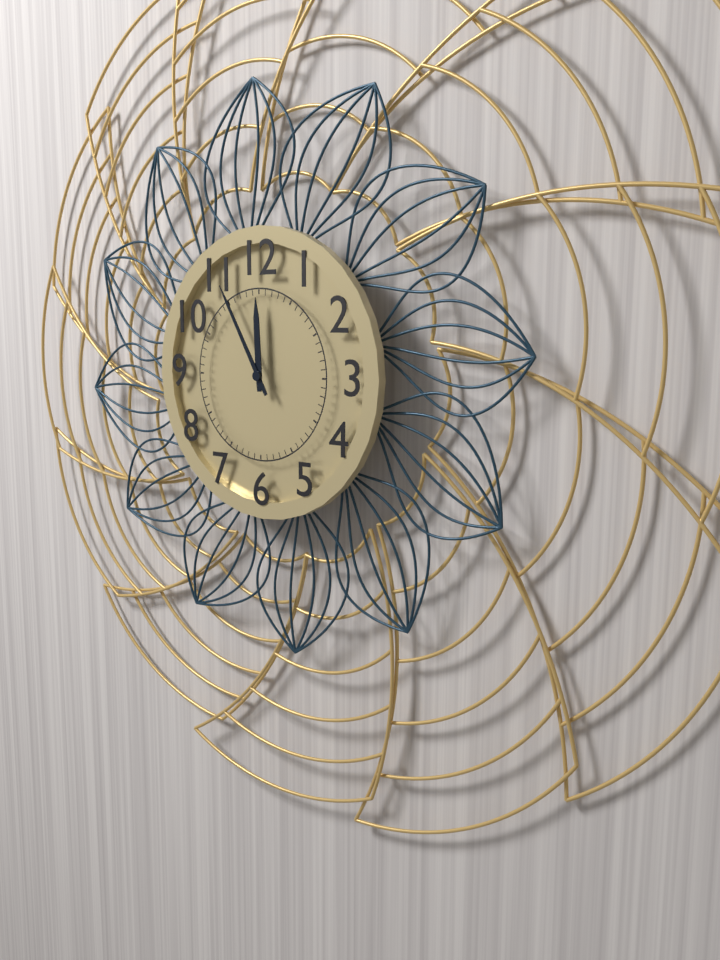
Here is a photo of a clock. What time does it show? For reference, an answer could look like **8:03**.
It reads **11:55**
